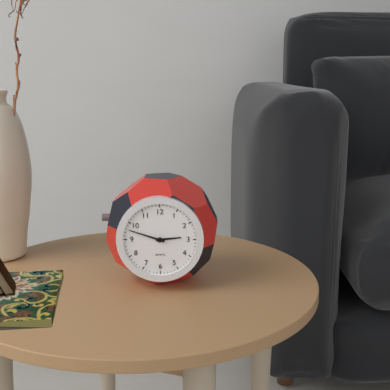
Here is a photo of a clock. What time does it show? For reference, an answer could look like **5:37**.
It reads **2:48**
